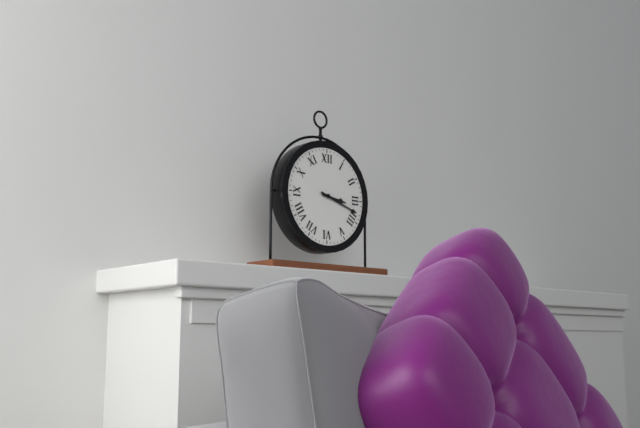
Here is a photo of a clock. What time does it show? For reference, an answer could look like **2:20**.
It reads **3:18**
